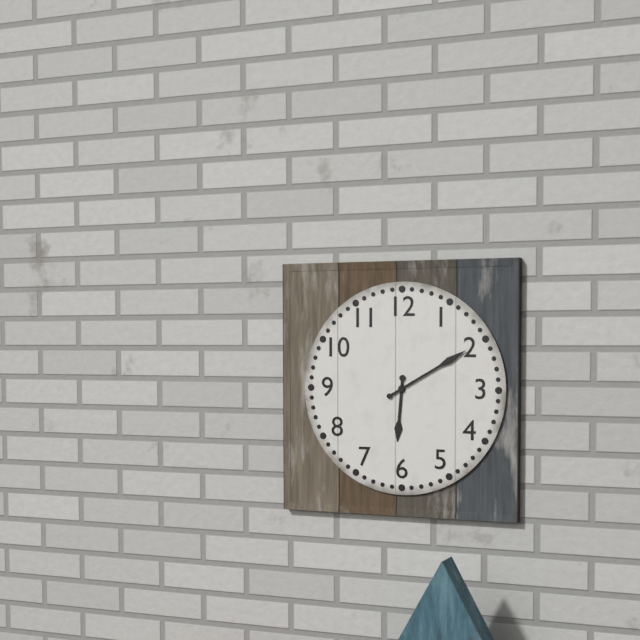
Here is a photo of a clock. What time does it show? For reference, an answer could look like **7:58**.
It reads **6:10**
